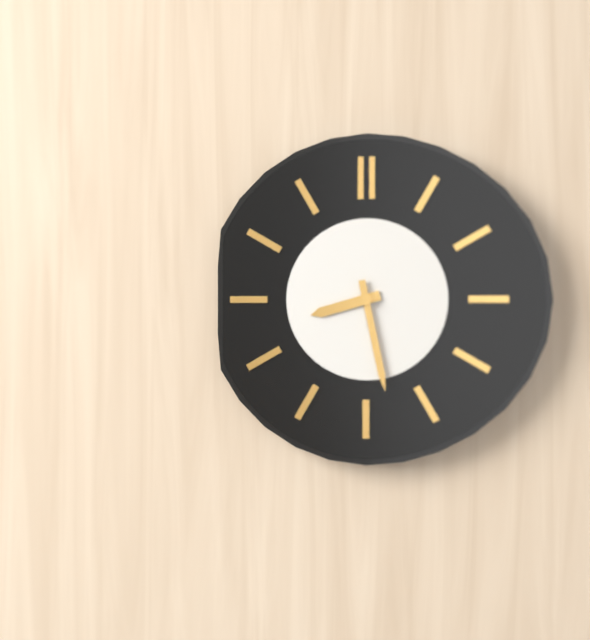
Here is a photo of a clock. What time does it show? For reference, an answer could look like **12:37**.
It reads **8:28**
